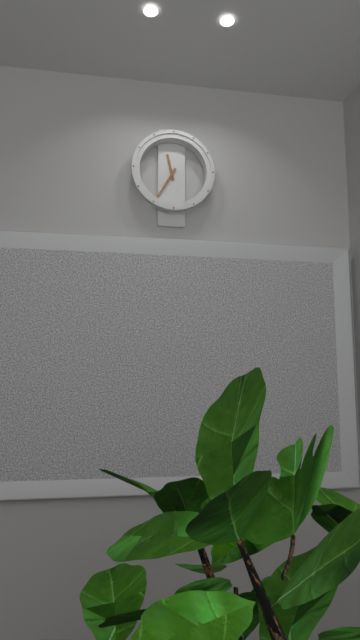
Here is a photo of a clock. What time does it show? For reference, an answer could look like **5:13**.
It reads **11:35**
